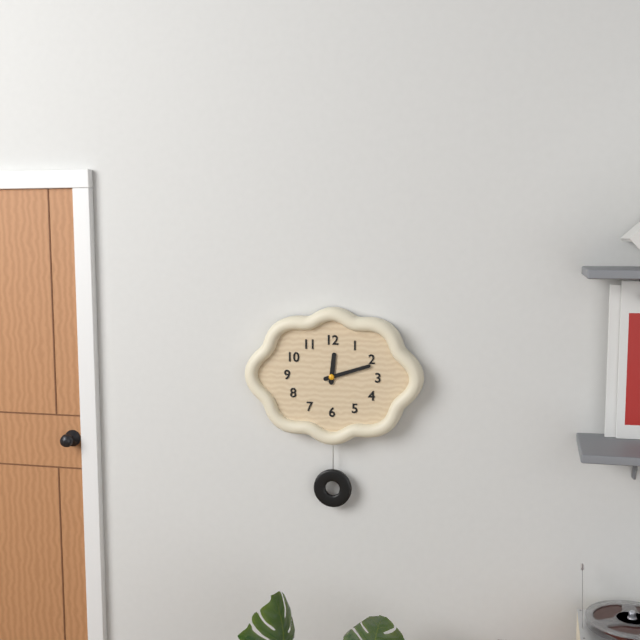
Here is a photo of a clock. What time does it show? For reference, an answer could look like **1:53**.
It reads **12:12**
